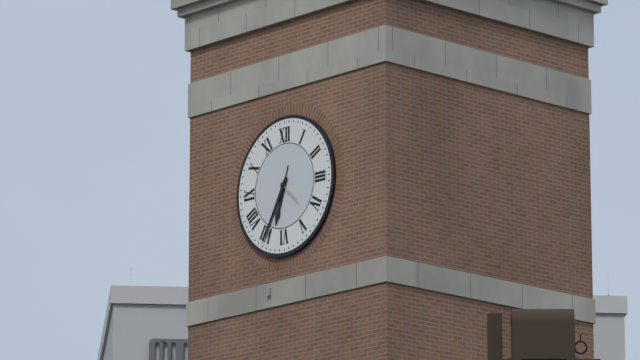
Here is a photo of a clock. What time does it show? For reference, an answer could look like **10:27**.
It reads **6:35**
